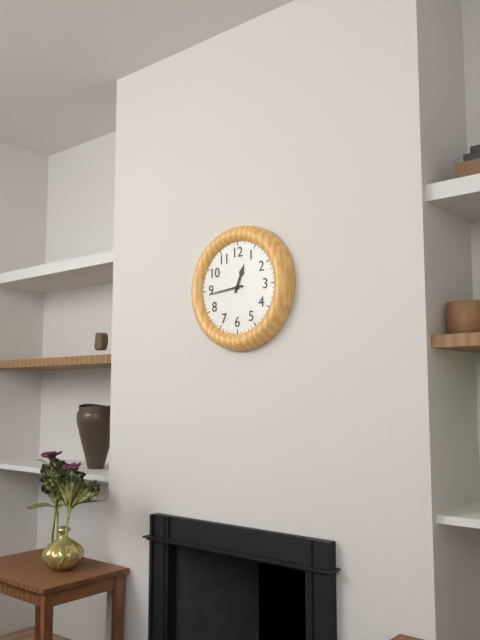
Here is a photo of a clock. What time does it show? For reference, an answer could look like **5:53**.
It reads **12:44**
